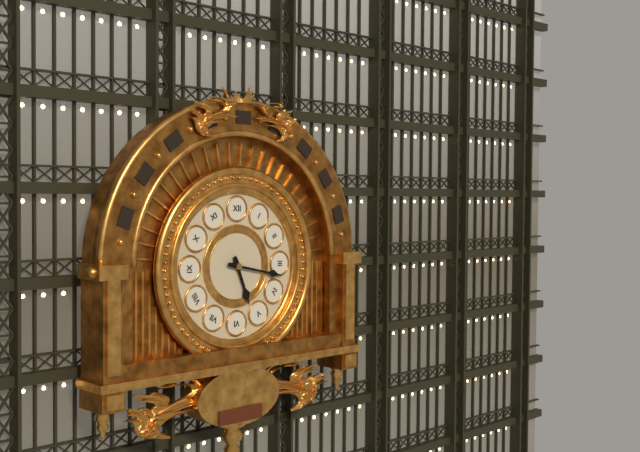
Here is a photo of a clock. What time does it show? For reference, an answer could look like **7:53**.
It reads **5:17**
